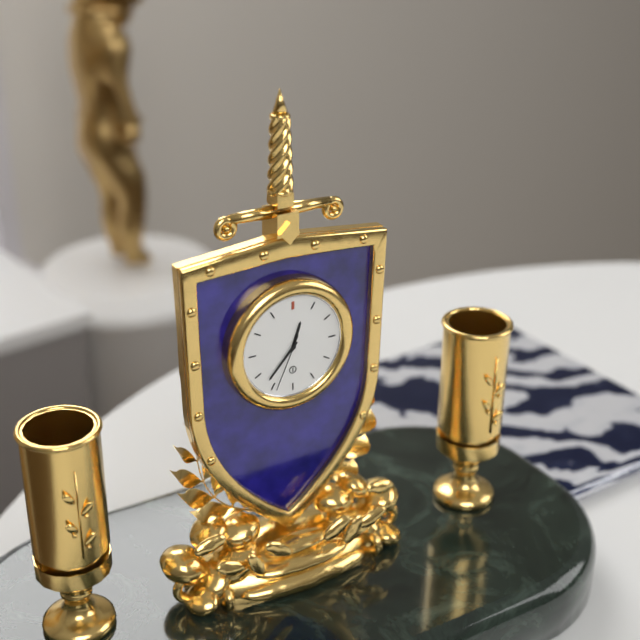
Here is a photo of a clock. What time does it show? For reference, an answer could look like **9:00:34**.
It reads **12:37:34**
